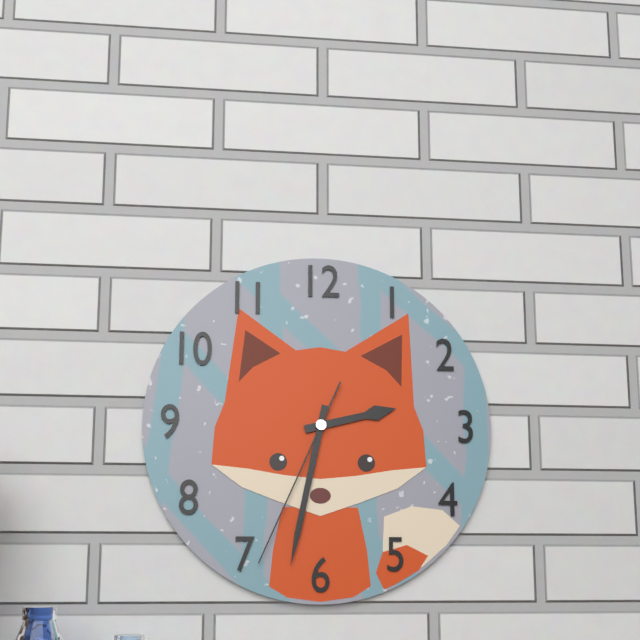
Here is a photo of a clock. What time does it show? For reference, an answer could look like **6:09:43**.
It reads **2:32:34**
